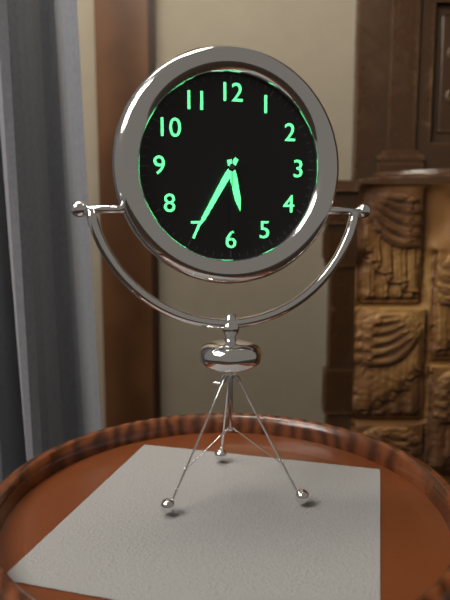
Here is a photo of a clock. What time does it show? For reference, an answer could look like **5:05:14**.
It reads **5:35:30**
